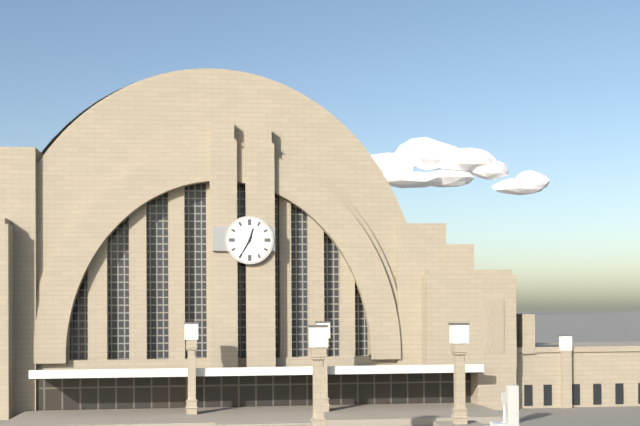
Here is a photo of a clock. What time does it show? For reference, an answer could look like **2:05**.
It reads **12:35**
